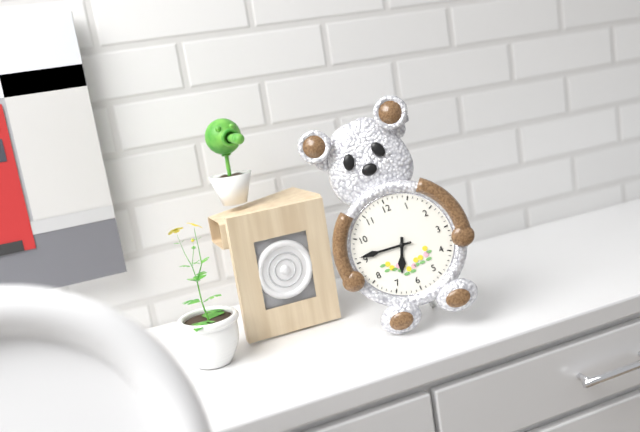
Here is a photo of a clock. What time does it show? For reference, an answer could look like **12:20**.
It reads **6:46**
